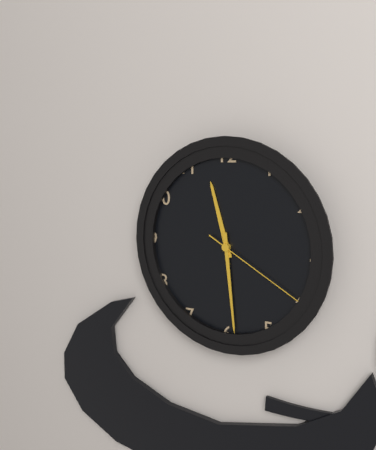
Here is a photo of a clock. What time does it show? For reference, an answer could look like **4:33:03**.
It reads **11:29:20**
